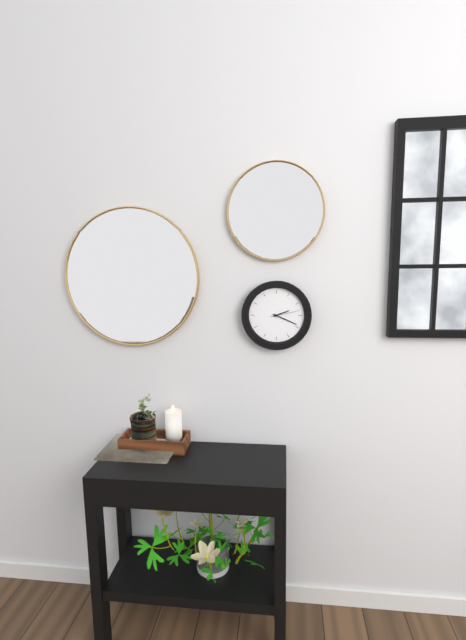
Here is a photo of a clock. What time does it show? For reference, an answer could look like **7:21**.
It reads **2:19**
